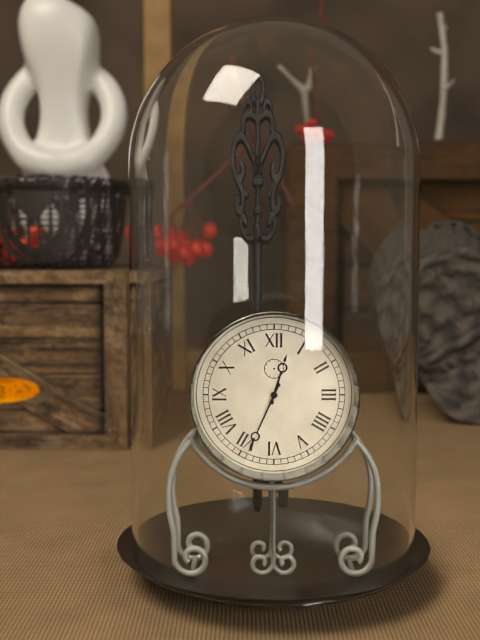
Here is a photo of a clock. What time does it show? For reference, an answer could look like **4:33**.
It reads **12:34**
